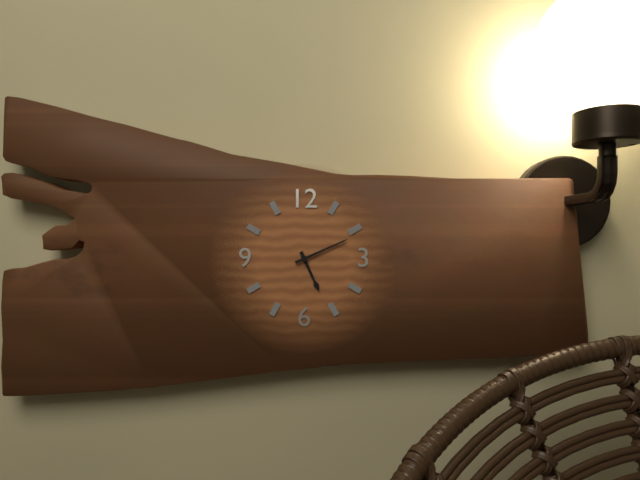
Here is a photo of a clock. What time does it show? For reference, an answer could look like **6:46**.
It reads **5:11**
